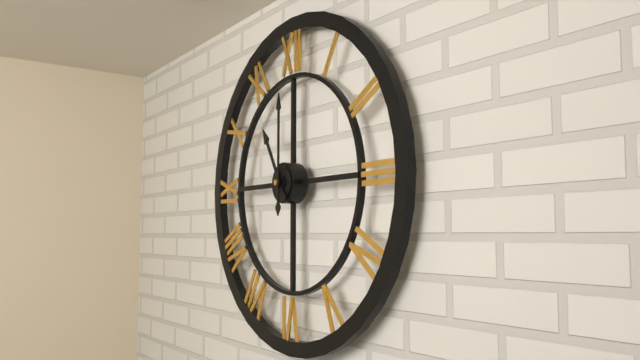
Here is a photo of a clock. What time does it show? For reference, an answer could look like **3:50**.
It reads **11:00**
